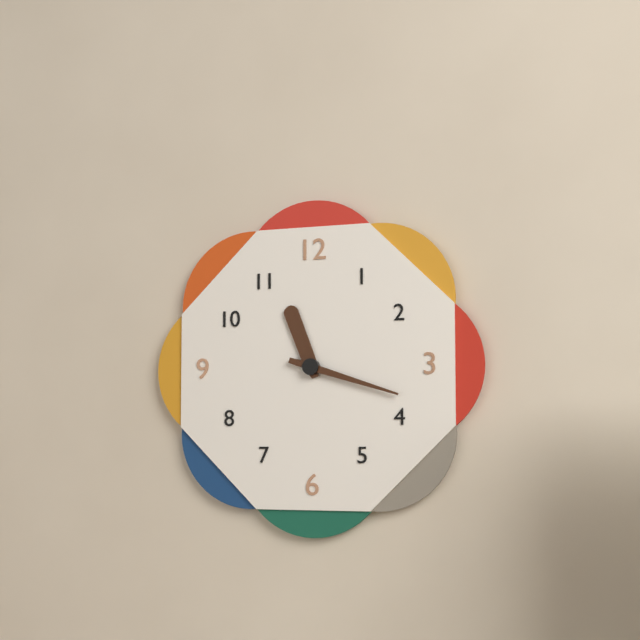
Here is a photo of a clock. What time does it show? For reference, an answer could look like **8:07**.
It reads **11:18**
